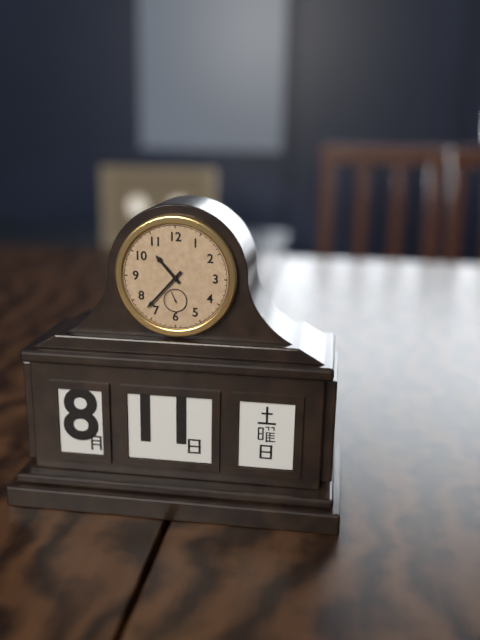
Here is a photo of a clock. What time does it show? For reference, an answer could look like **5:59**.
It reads **10:37**
